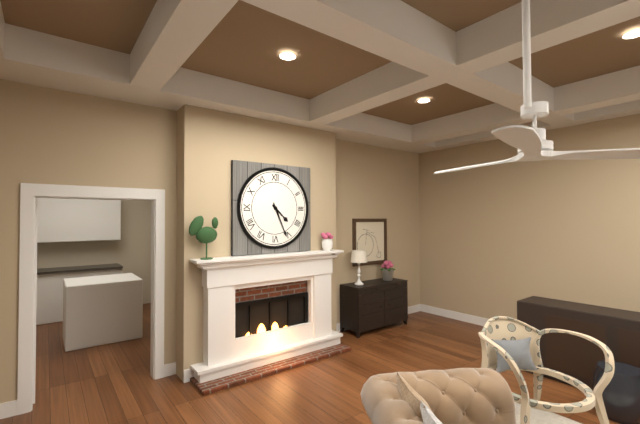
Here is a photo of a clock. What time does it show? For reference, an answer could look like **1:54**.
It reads **4:26**
